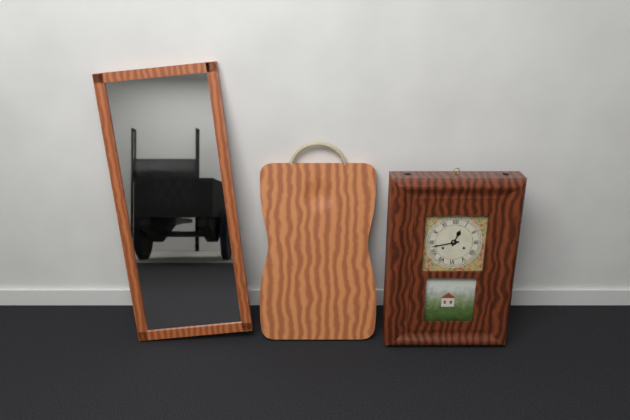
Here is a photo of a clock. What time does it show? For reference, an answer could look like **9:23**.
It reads **12:43**
